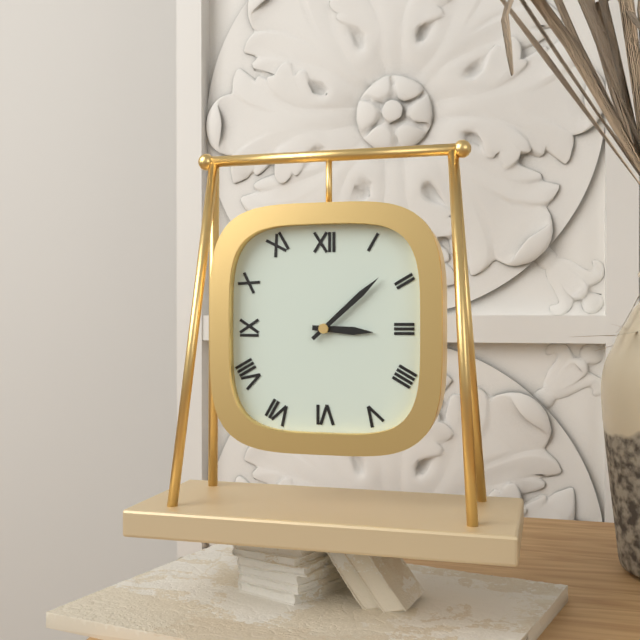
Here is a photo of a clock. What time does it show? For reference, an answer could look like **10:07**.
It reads **3:08**
